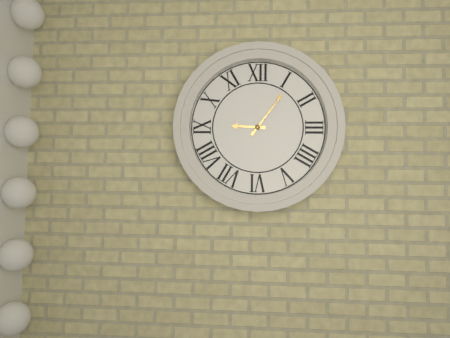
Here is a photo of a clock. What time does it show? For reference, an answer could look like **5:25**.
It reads **9:06**
